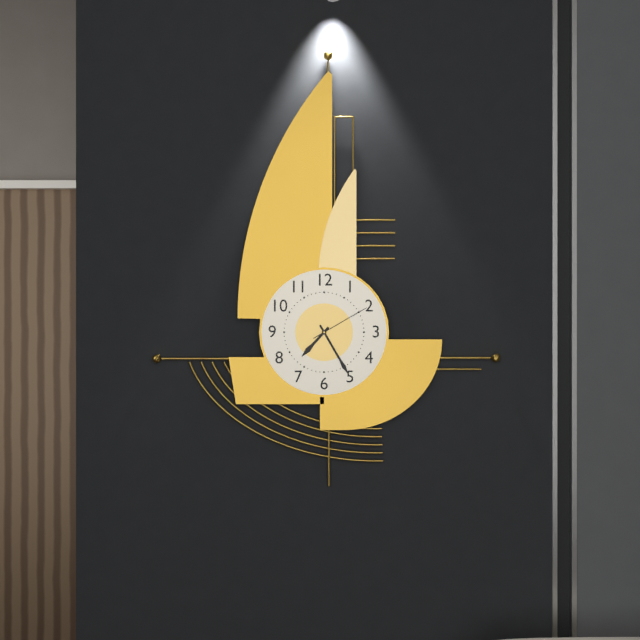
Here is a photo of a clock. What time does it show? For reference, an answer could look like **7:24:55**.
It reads **7:25:10**
